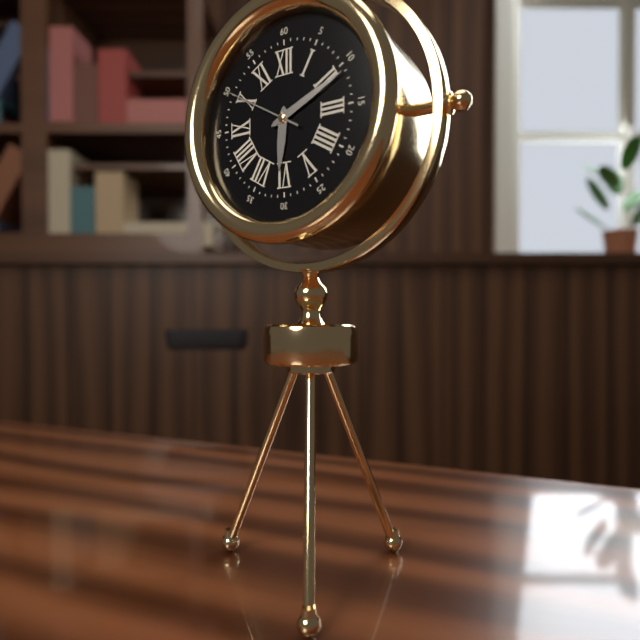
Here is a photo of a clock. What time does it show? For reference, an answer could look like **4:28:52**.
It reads **6:11:50**
